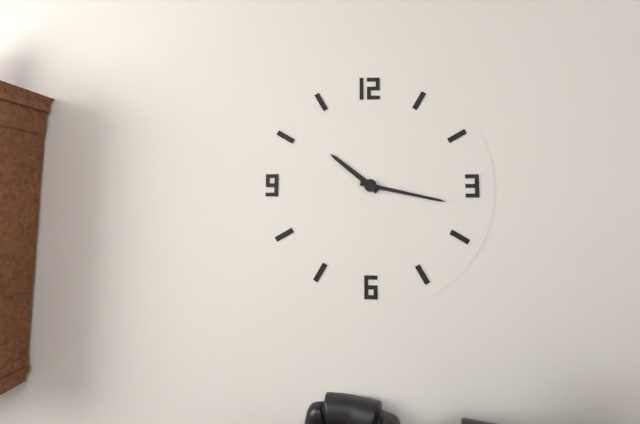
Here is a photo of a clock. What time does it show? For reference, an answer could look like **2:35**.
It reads **10:17**
